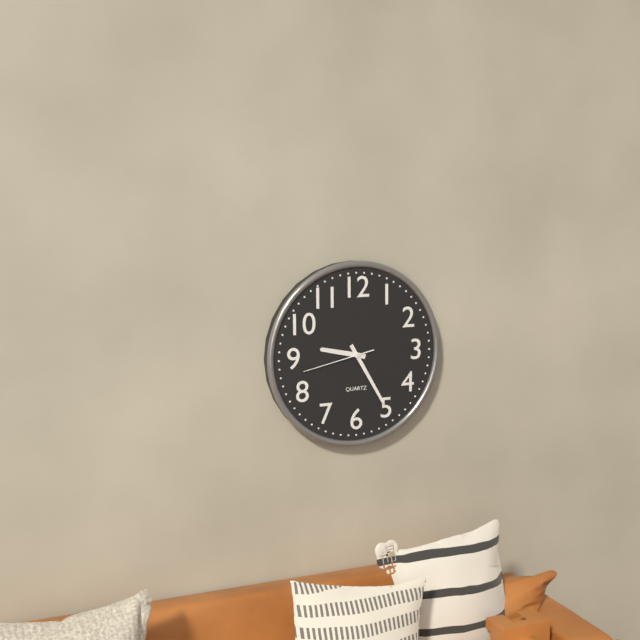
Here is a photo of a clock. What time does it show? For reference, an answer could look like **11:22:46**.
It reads **9:25:43**
